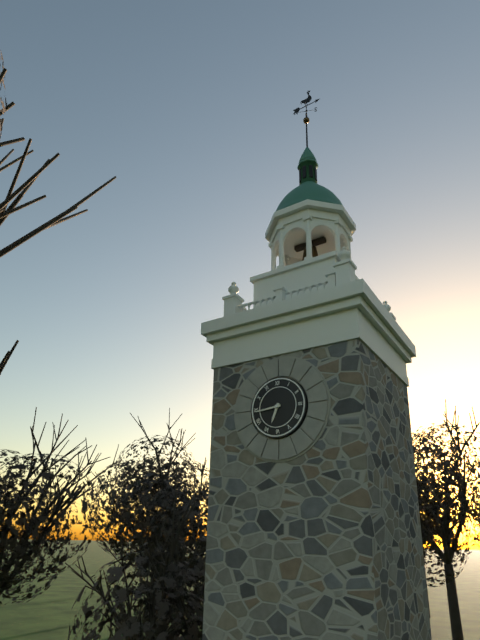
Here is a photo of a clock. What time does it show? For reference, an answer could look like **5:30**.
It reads **6:44**
